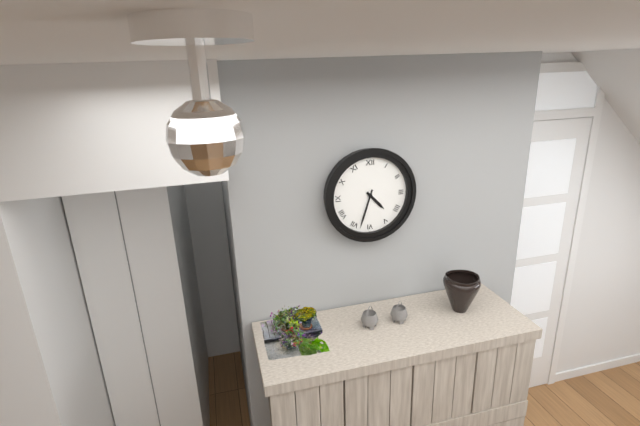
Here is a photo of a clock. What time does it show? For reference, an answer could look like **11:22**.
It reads **4:33**
